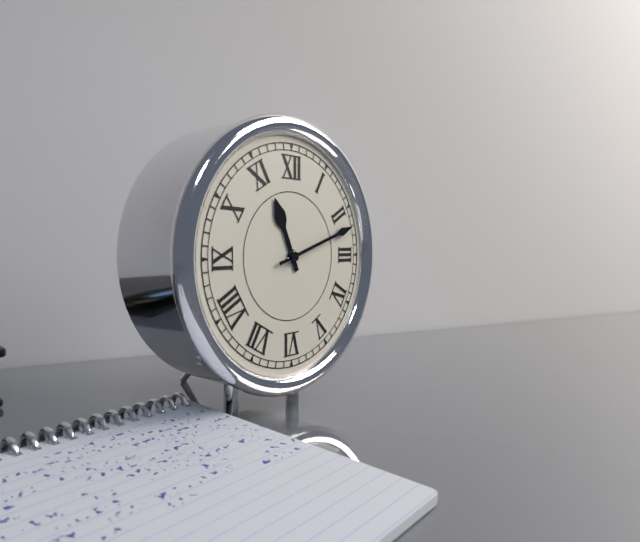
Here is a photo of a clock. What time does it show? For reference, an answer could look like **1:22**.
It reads **11:12**
